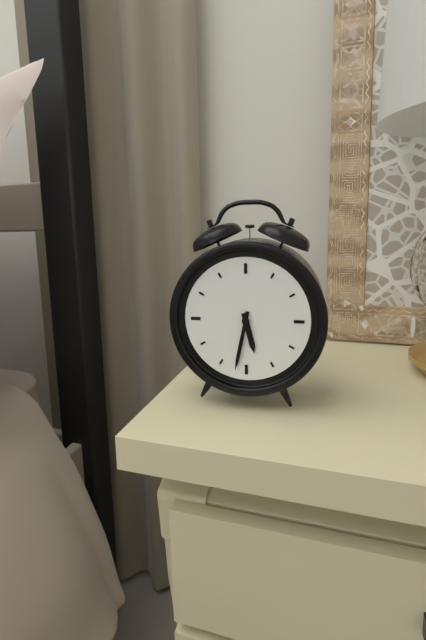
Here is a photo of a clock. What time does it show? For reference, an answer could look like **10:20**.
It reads **5:32**
